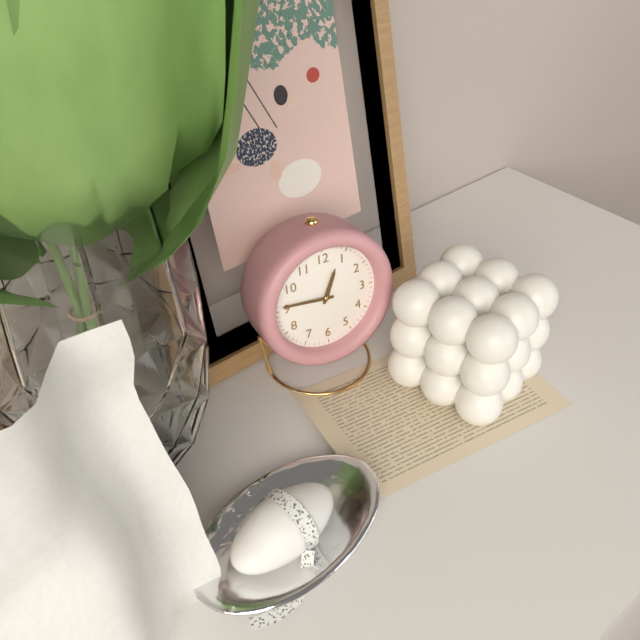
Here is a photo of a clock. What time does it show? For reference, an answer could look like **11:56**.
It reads **12:46**
